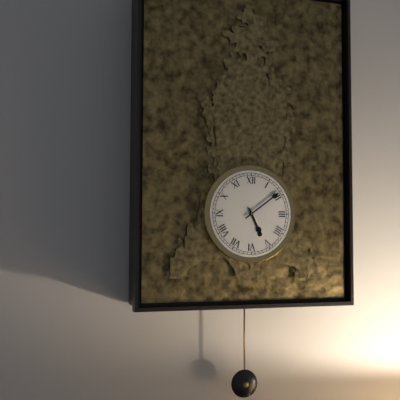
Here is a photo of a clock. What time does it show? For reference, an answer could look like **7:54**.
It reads **5:09**
